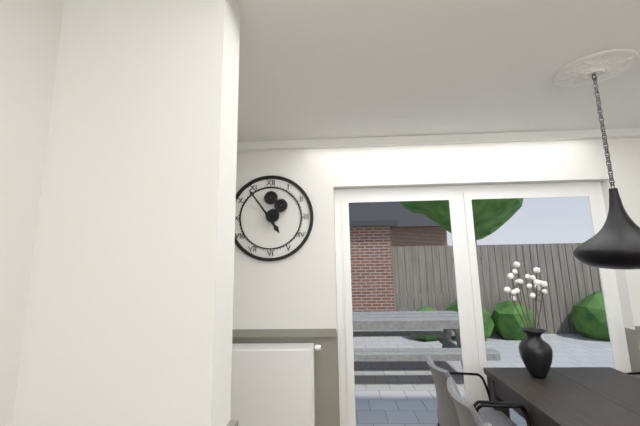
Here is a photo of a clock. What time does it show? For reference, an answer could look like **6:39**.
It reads **4:54**
